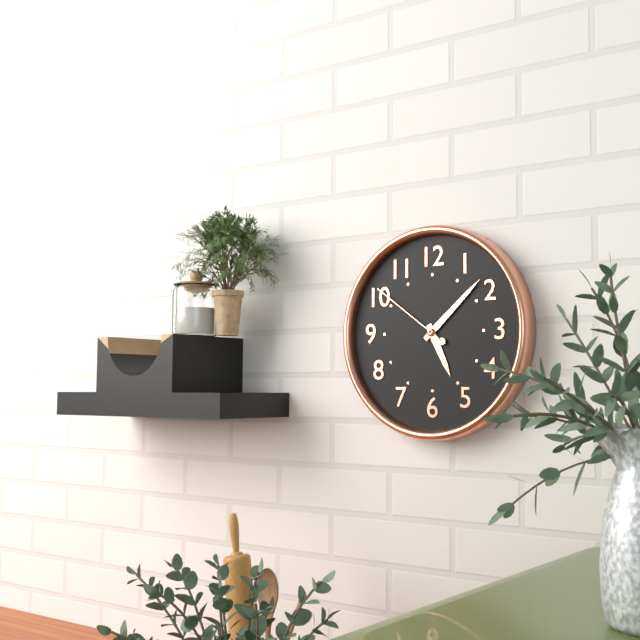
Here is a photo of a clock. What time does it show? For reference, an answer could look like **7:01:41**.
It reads **5:08:51**
